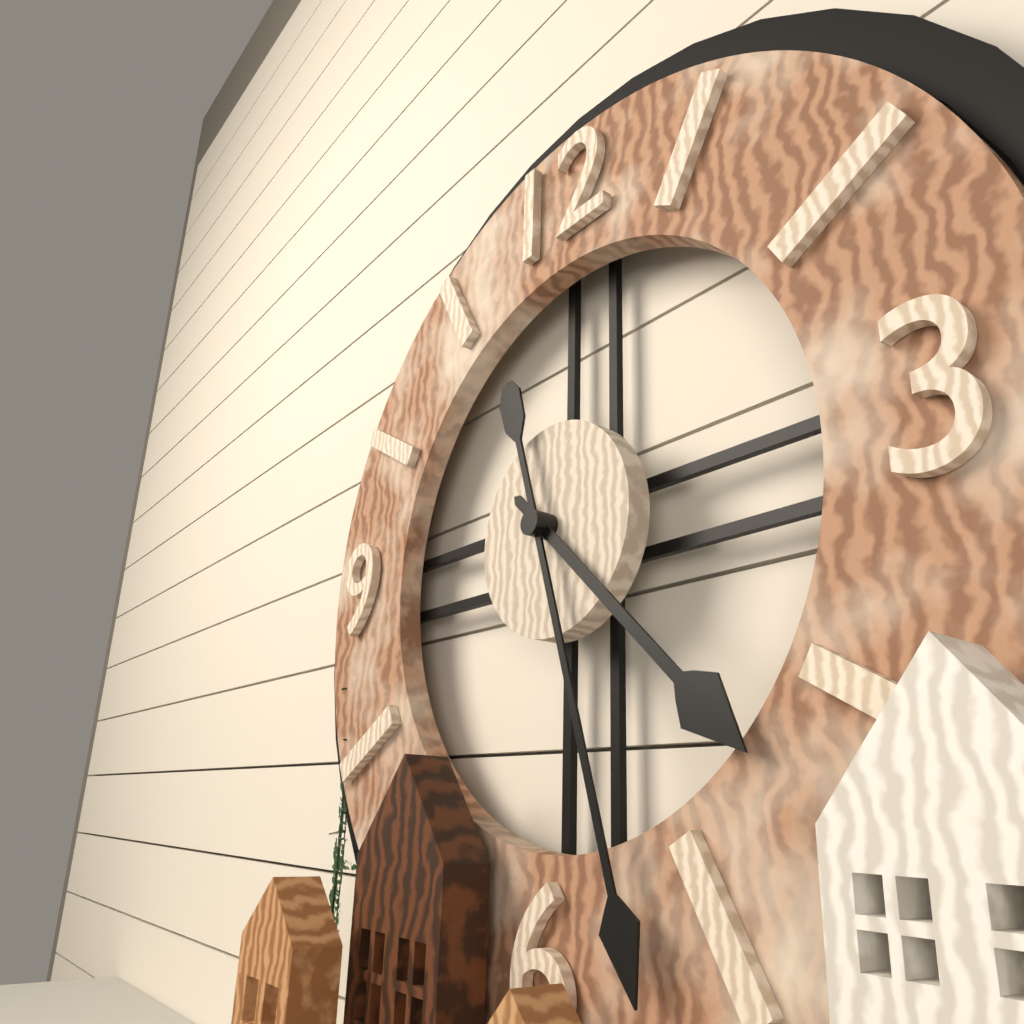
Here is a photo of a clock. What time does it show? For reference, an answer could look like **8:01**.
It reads **4:27**
